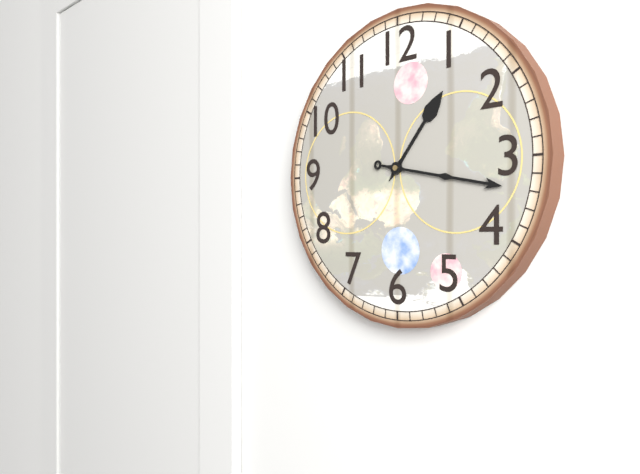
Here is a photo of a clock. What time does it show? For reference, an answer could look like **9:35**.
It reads **1:17**
